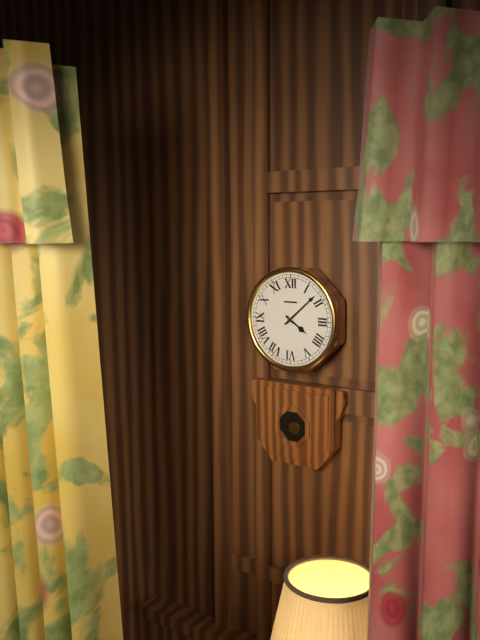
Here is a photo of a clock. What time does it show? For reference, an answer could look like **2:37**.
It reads **4:08**
